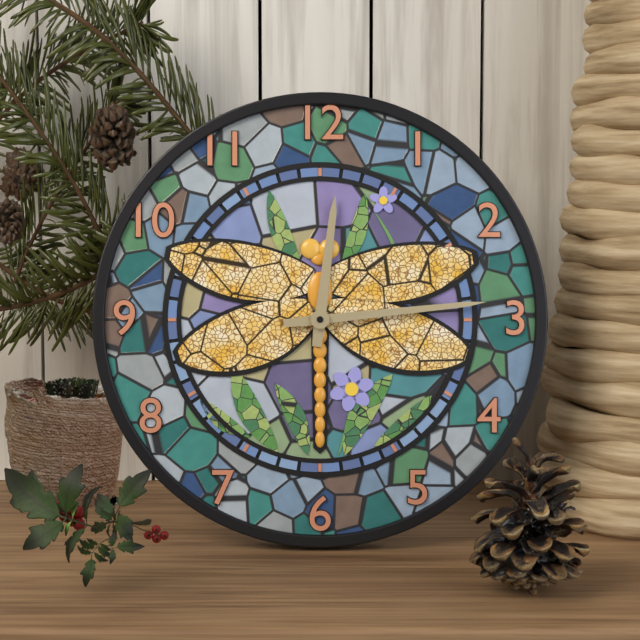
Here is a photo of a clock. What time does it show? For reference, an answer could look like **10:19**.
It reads **12:14**
